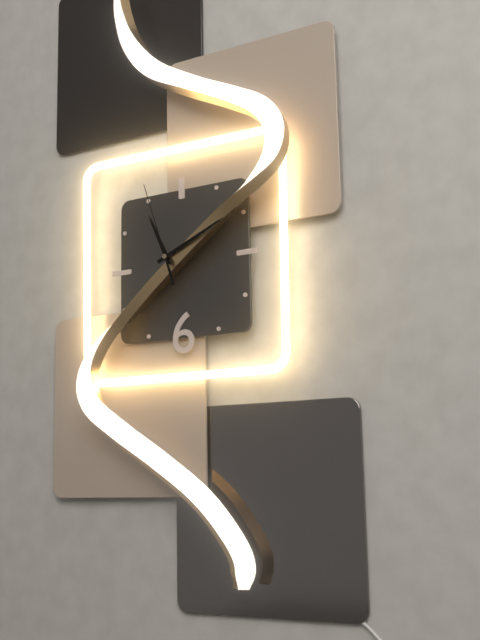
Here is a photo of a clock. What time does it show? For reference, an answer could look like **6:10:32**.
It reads **11:11:57**
